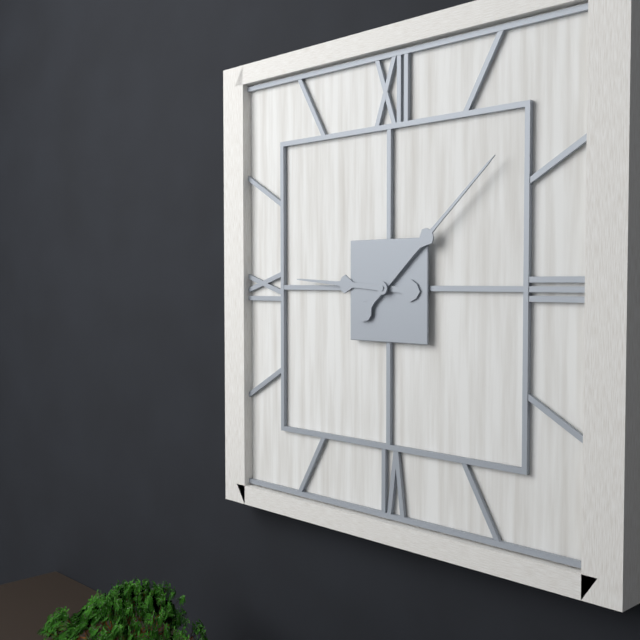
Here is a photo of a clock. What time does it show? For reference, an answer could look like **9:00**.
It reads **9:08**
